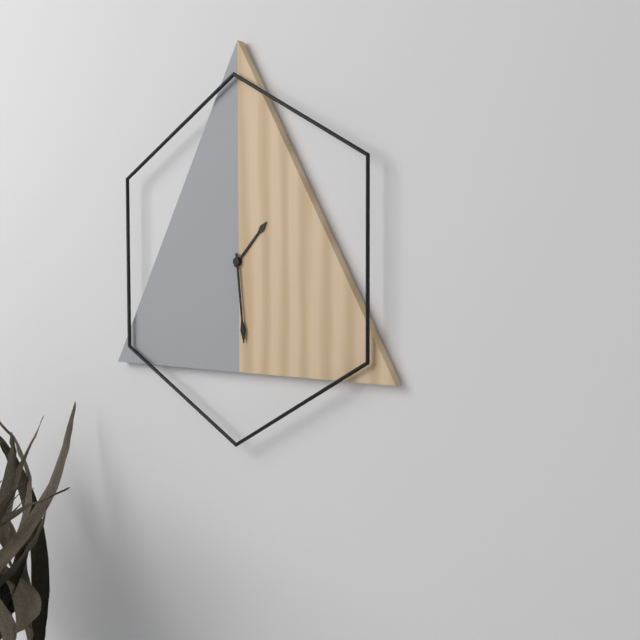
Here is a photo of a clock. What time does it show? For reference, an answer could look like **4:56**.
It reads **1:29**
